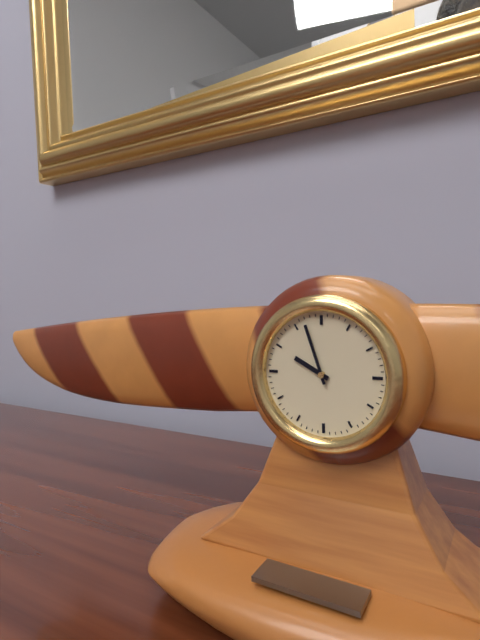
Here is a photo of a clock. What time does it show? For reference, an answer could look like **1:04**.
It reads **9:57**
